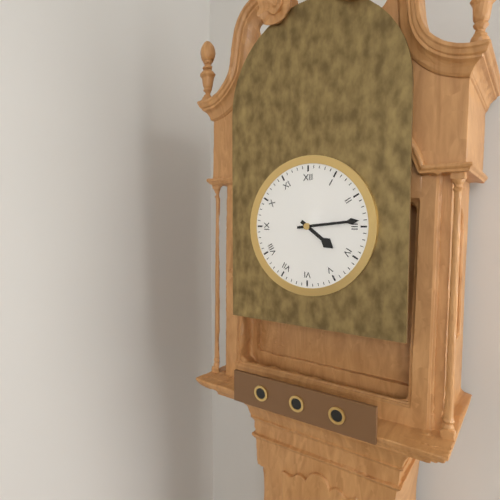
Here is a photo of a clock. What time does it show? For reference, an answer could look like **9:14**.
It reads **4:14**
